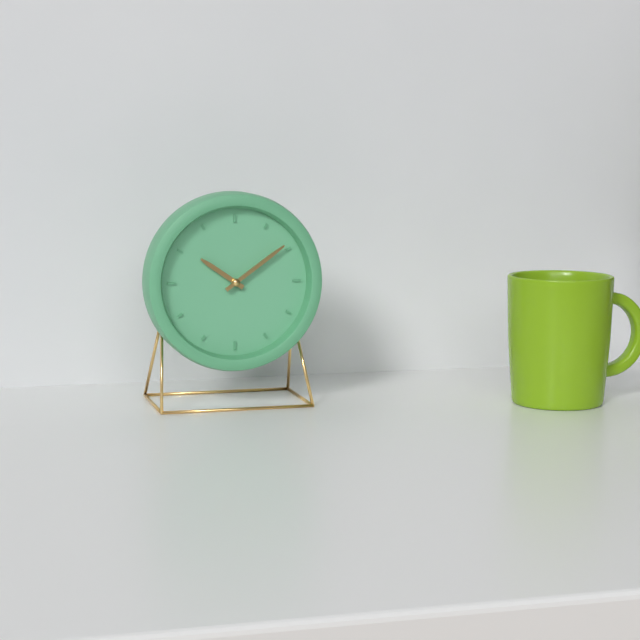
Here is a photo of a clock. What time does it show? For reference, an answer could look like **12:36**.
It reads **10:09**
